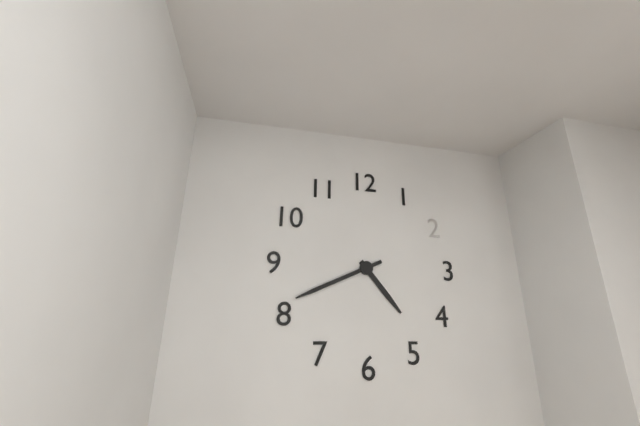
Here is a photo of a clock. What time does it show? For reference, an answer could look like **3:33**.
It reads **4:41**
